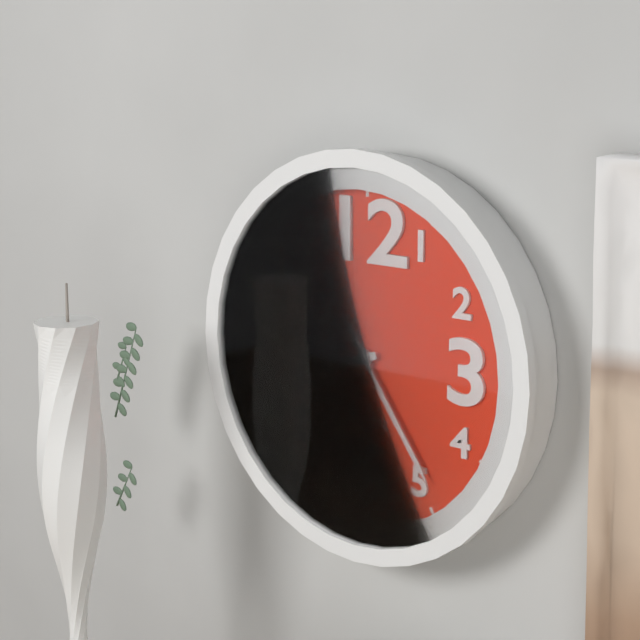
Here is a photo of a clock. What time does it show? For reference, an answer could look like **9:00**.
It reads **8:24**
